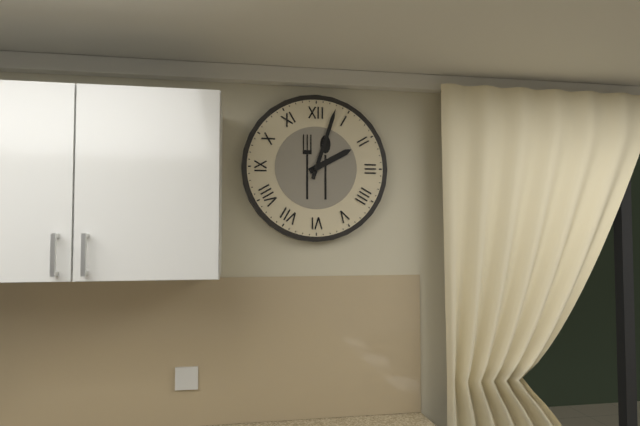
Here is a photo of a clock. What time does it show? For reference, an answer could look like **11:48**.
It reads **2:03**
